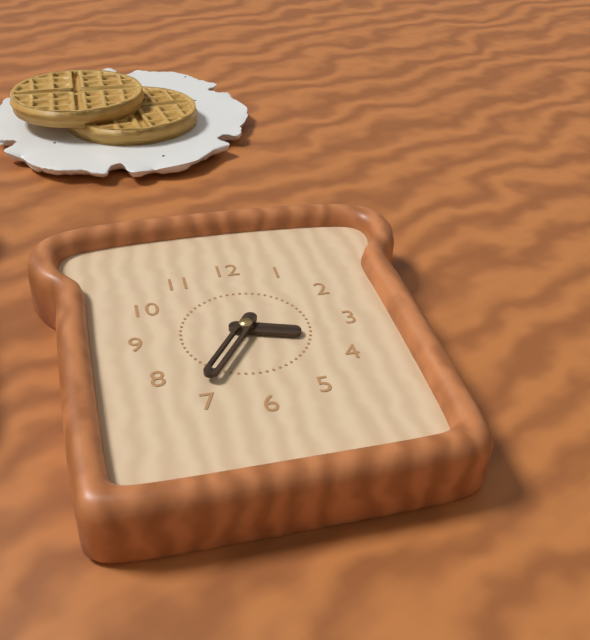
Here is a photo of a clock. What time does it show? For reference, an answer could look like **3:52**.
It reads **3:36**
